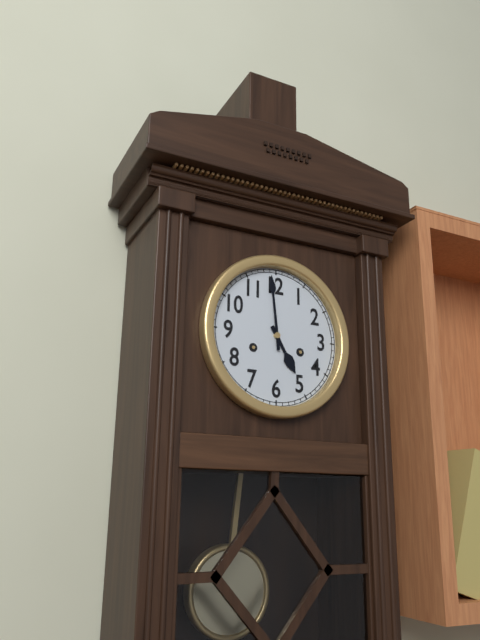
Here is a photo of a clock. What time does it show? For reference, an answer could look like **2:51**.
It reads **4:59**
